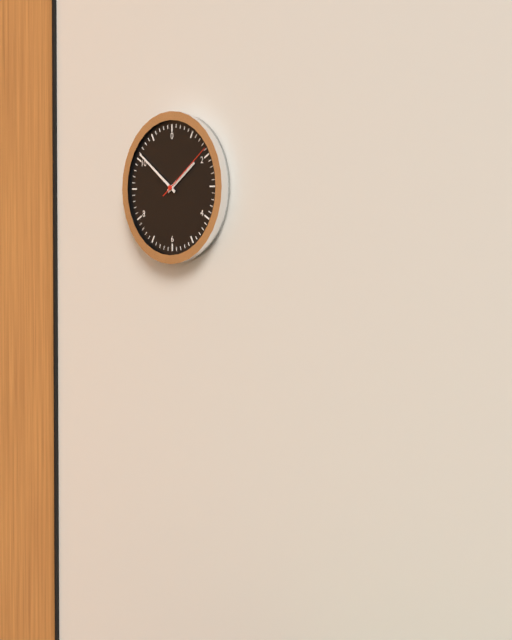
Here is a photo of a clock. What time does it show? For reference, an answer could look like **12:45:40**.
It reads **1:51:09**
